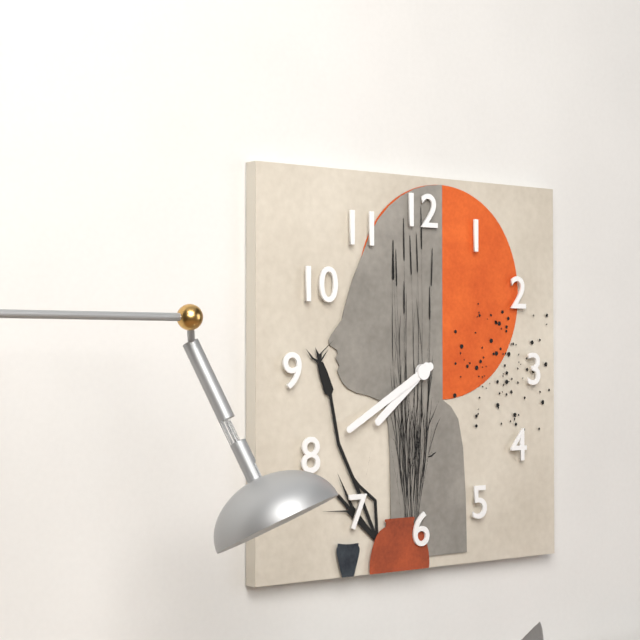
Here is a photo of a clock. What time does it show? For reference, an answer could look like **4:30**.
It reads **7:40**
